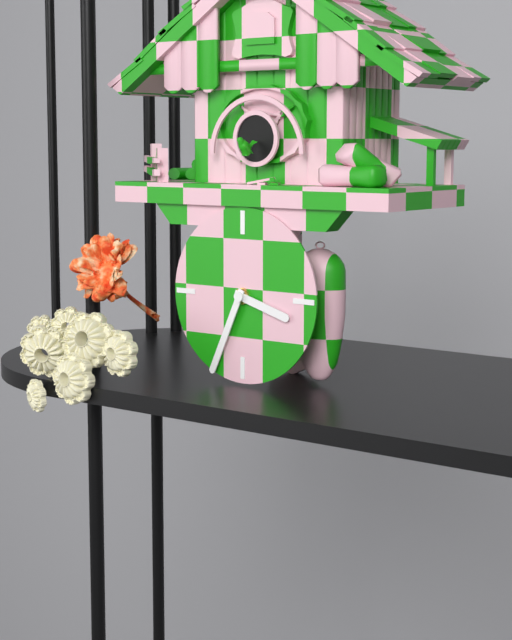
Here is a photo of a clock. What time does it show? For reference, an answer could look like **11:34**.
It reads **3:34**
